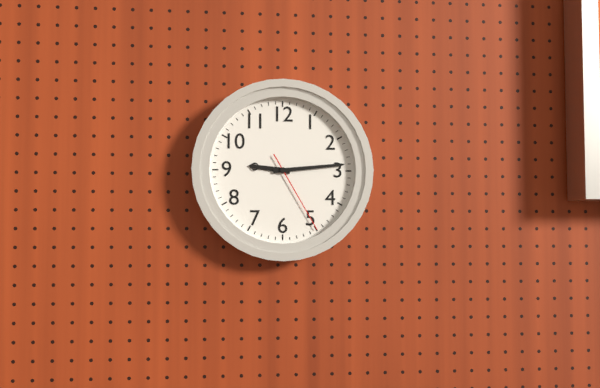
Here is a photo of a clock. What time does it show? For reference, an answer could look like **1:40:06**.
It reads **9:14:25**
